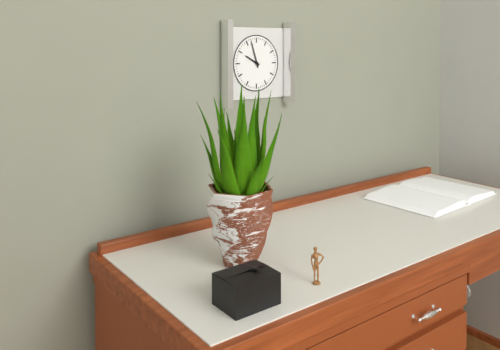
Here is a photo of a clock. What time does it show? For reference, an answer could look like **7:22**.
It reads **9:57**
